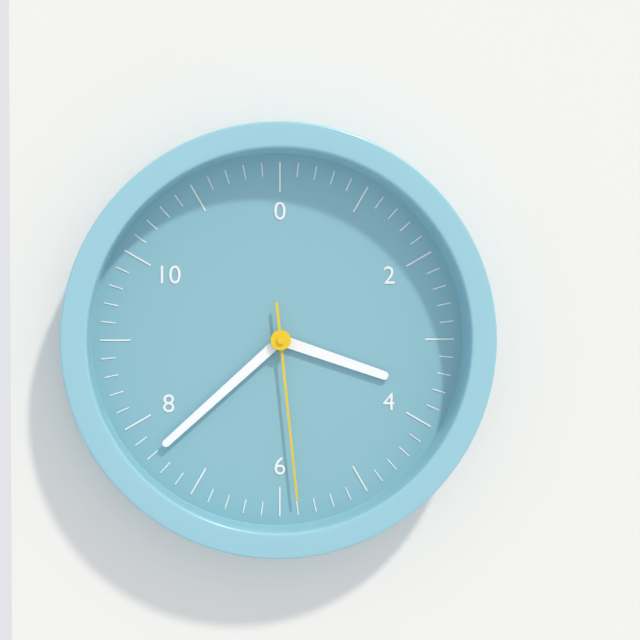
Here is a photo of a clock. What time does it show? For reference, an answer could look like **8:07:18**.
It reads **3:38:29**
